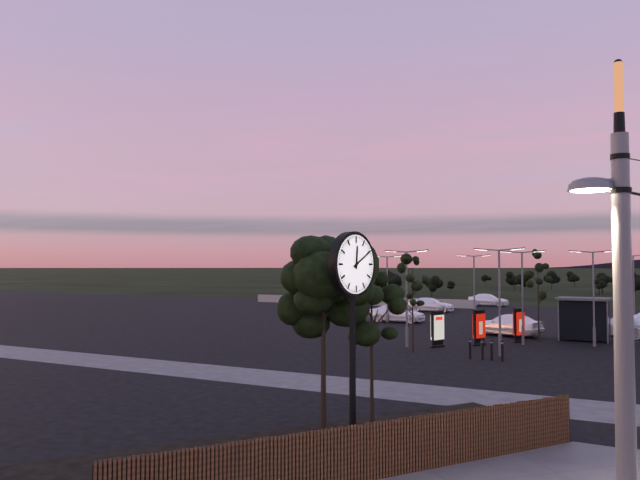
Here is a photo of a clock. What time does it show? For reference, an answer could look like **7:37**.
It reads **12:10**
